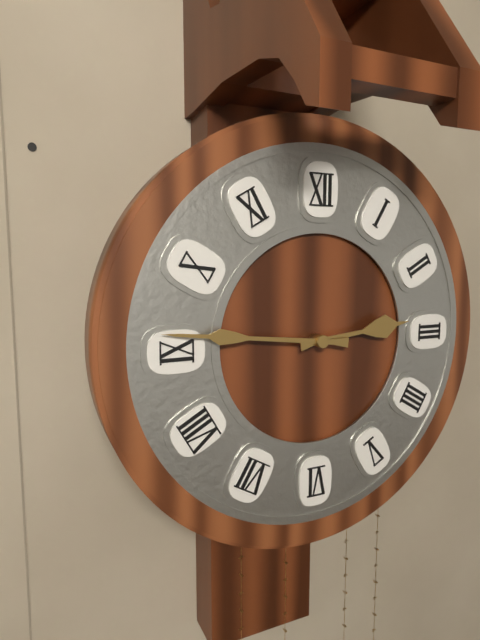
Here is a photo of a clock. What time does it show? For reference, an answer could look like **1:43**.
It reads **2:46**
